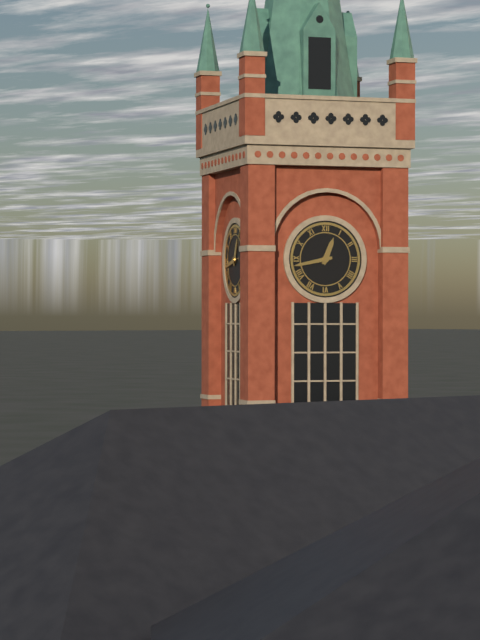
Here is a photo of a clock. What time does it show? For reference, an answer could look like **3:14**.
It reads **12:43**
